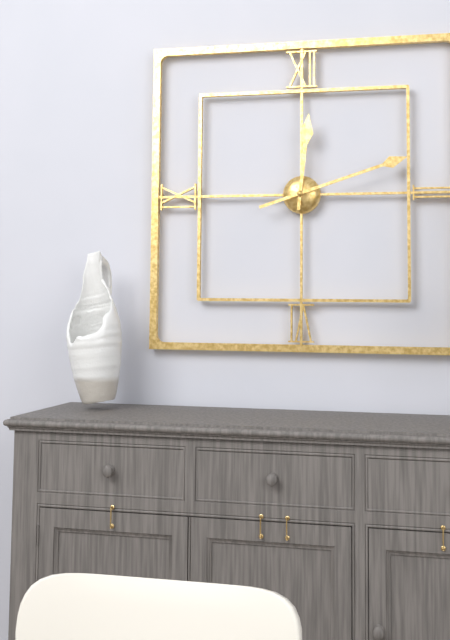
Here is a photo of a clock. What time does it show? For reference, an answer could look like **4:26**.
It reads **12:12**
